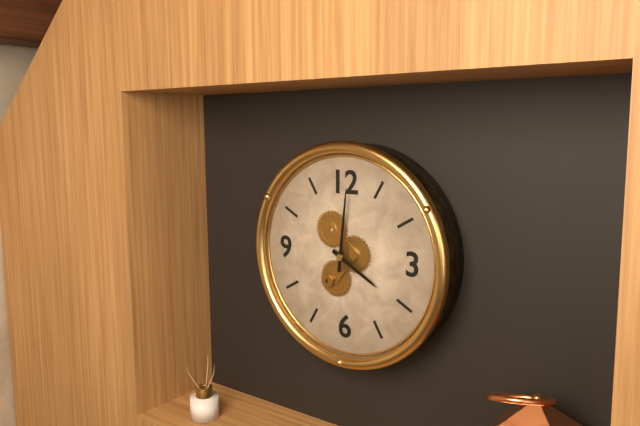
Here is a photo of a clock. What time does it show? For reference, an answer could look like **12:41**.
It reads **4:01**
